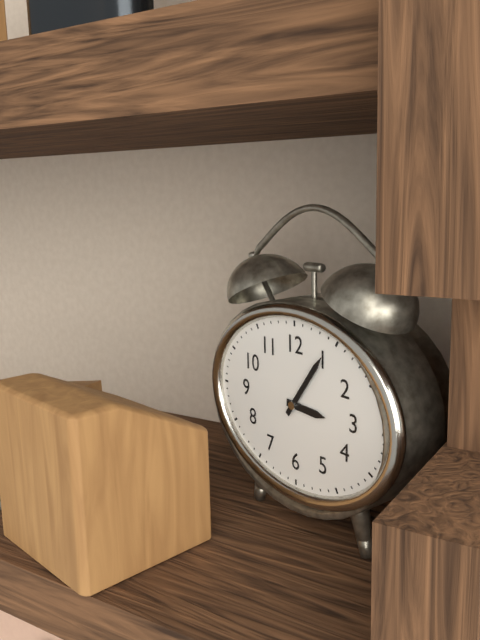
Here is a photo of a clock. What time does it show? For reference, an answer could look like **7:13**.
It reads **3:06**
